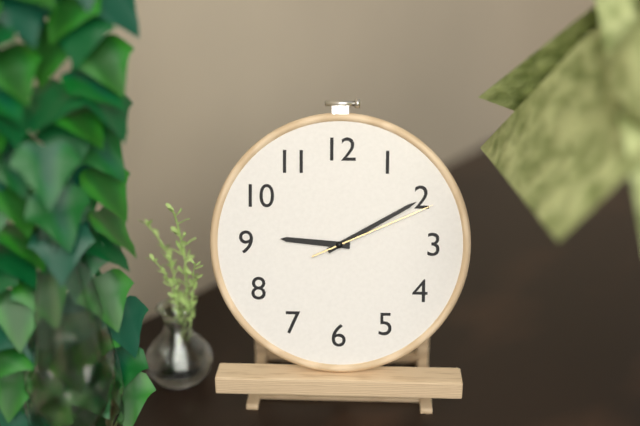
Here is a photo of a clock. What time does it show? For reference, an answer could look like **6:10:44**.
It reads **9:10:11**
